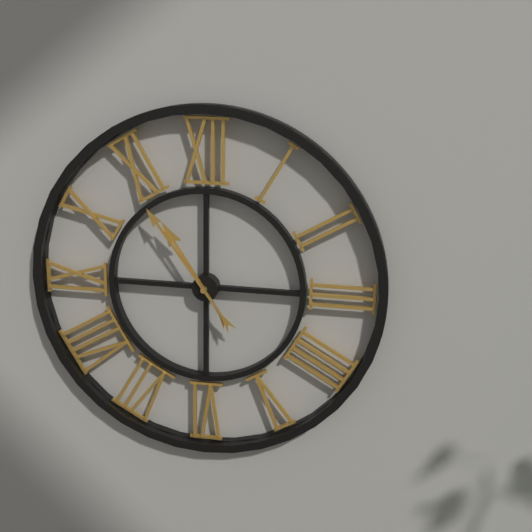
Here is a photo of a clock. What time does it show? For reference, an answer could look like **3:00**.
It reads **10:54**
